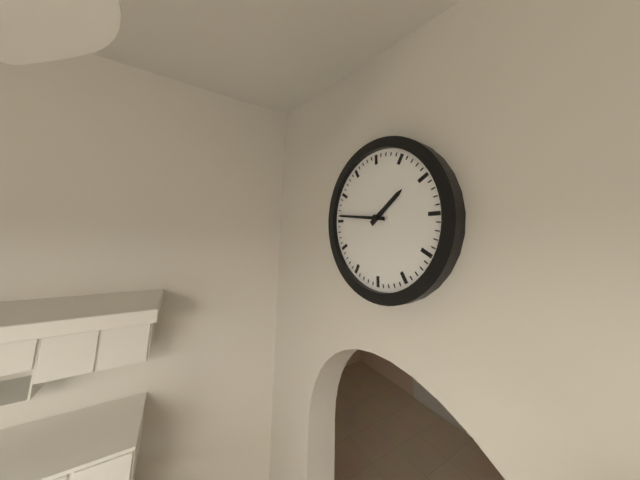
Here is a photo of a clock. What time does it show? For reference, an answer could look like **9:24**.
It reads **1:46**
